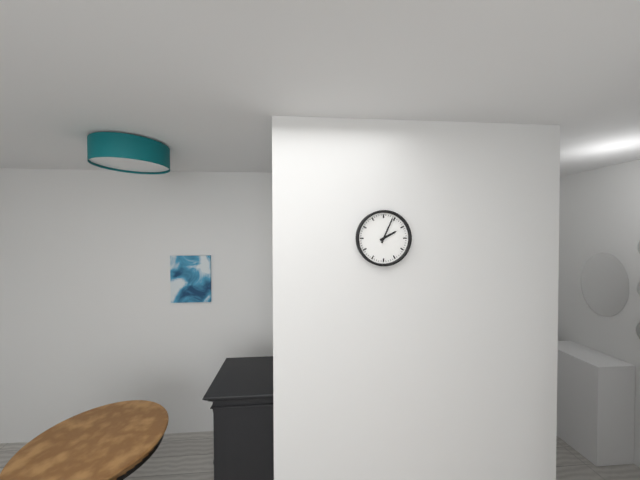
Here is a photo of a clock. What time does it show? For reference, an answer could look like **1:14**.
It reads **2:04**
